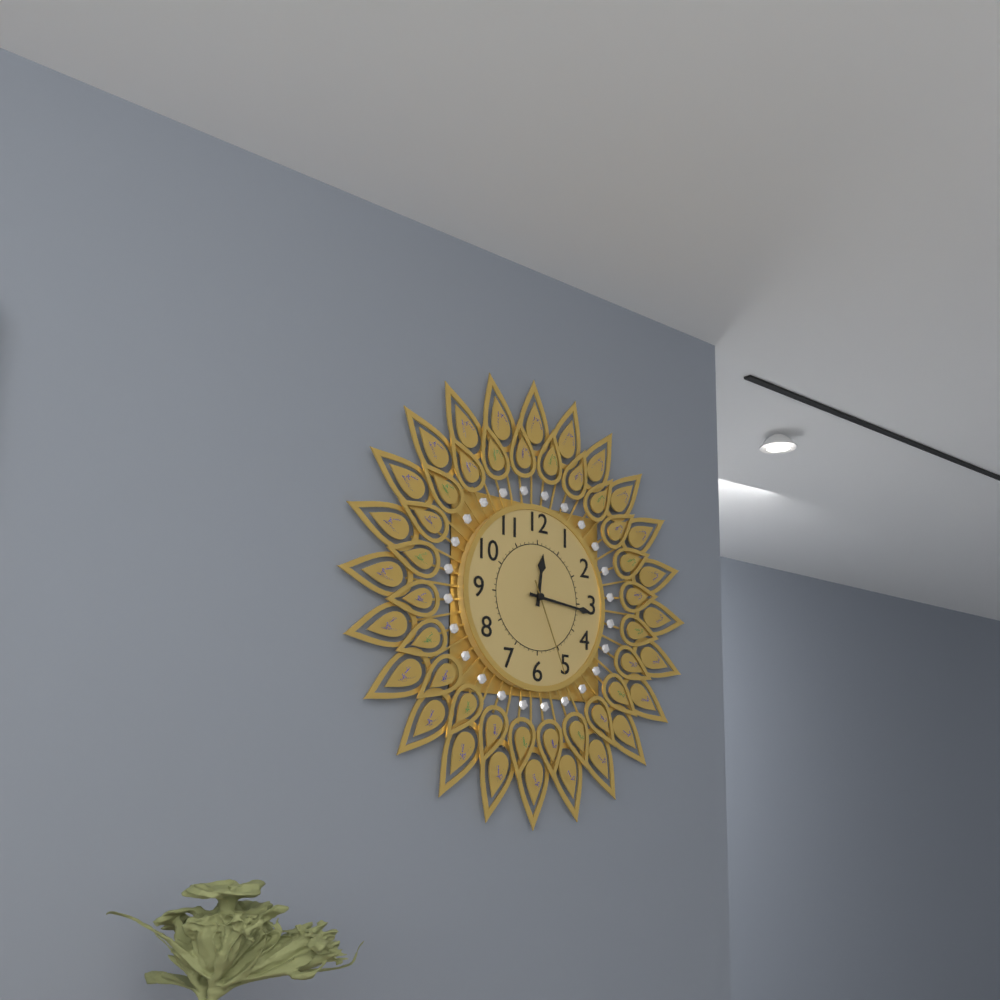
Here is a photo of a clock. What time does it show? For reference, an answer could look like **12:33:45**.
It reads **12:16:26**
